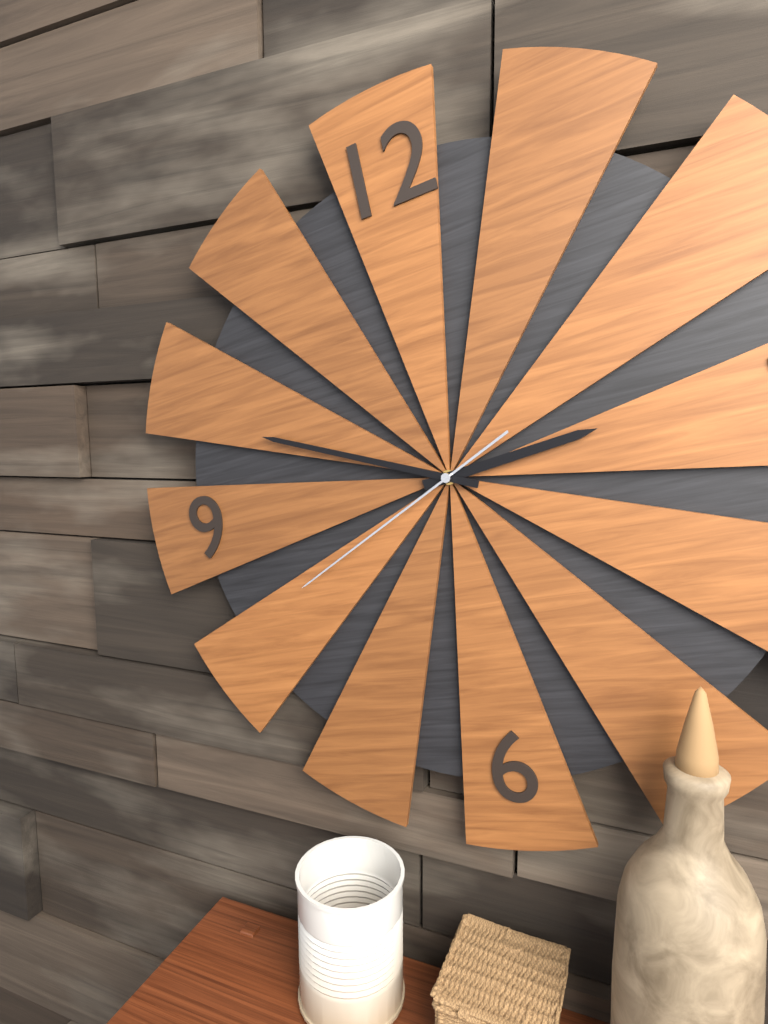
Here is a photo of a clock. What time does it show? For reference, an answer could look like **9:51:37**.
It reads **2:49:41**
